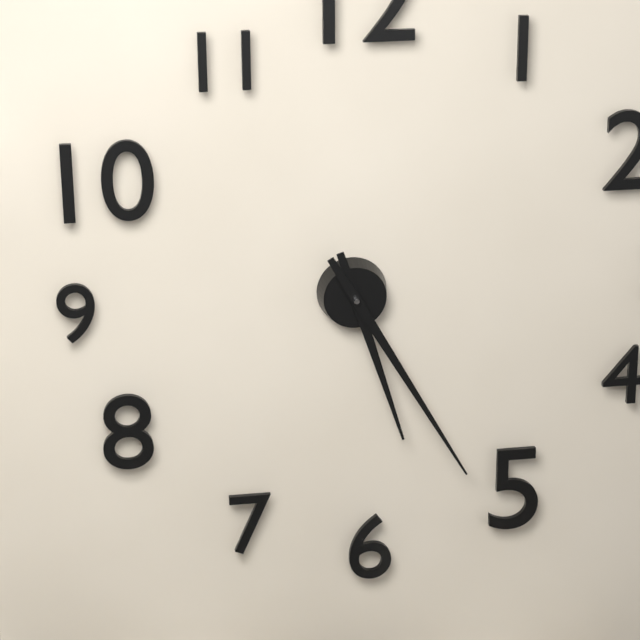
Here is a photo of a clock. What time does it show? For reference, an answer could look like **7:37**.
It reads **5:25**
